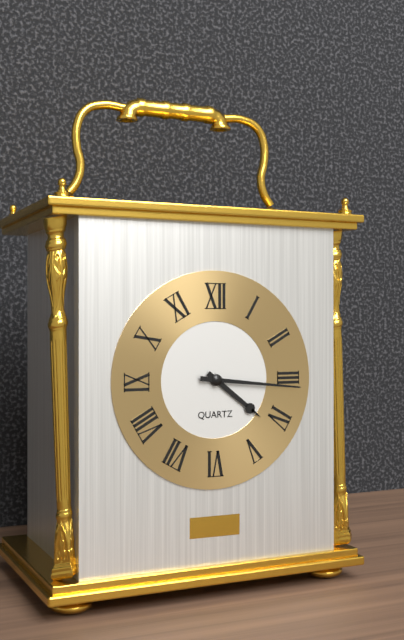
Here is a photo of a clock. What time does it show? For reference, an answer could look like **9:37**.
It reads **4:16**
